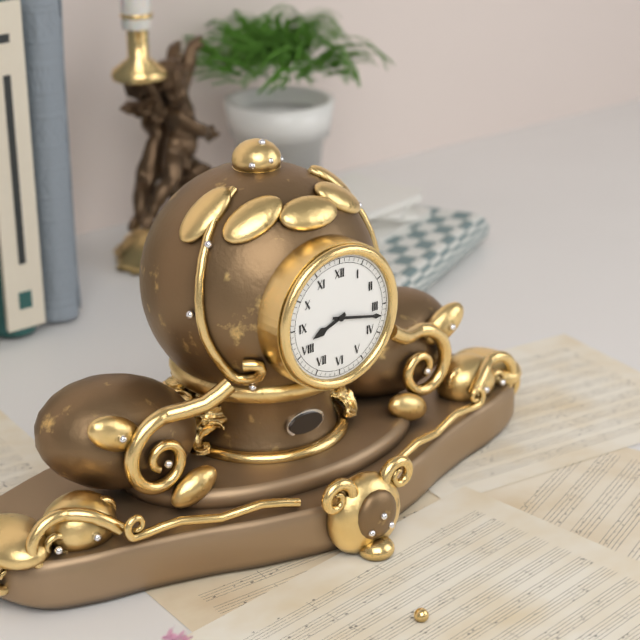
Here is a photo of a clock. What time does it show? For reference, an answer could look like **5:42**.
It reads **8:17**
